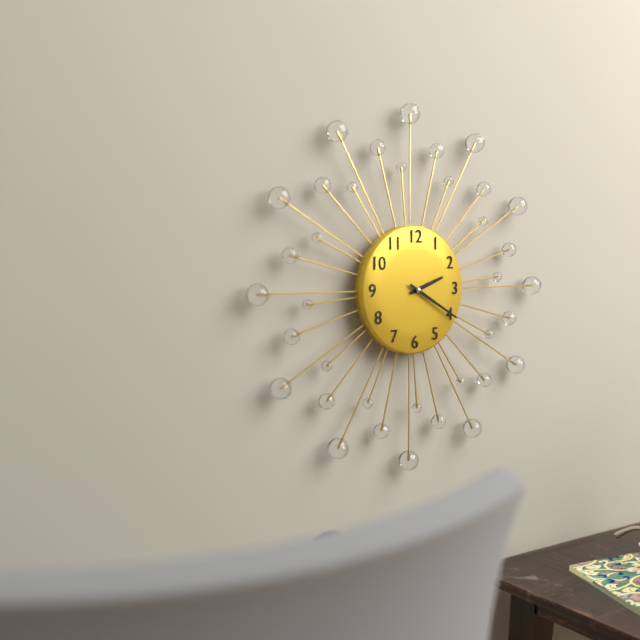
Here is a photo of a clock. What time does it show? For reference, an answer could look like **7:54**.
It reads **2:20**
